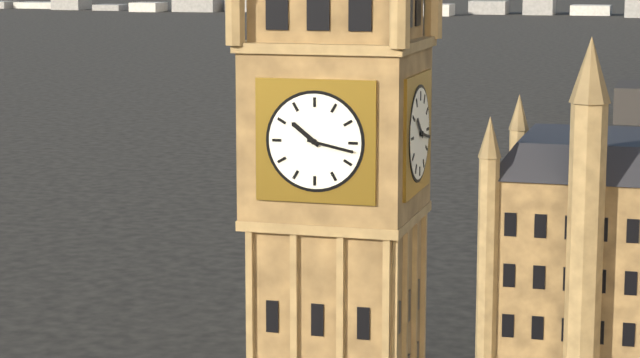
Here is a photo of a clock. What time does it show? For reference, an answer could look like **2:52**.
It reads **10:17**
